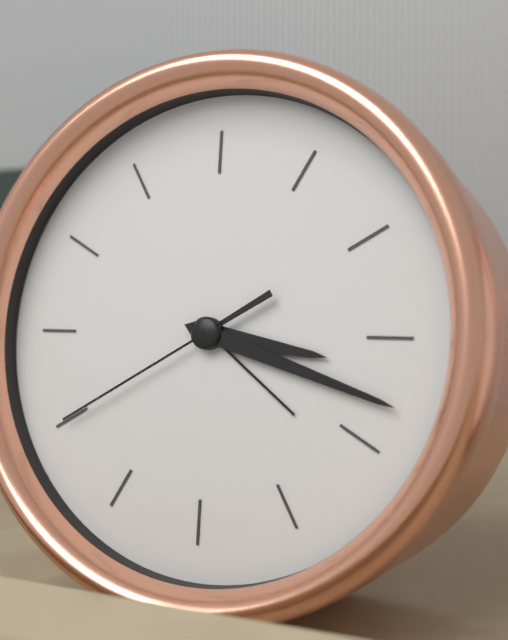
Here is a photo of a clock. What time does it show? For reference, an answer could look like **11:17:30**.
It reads **3:18:40**
